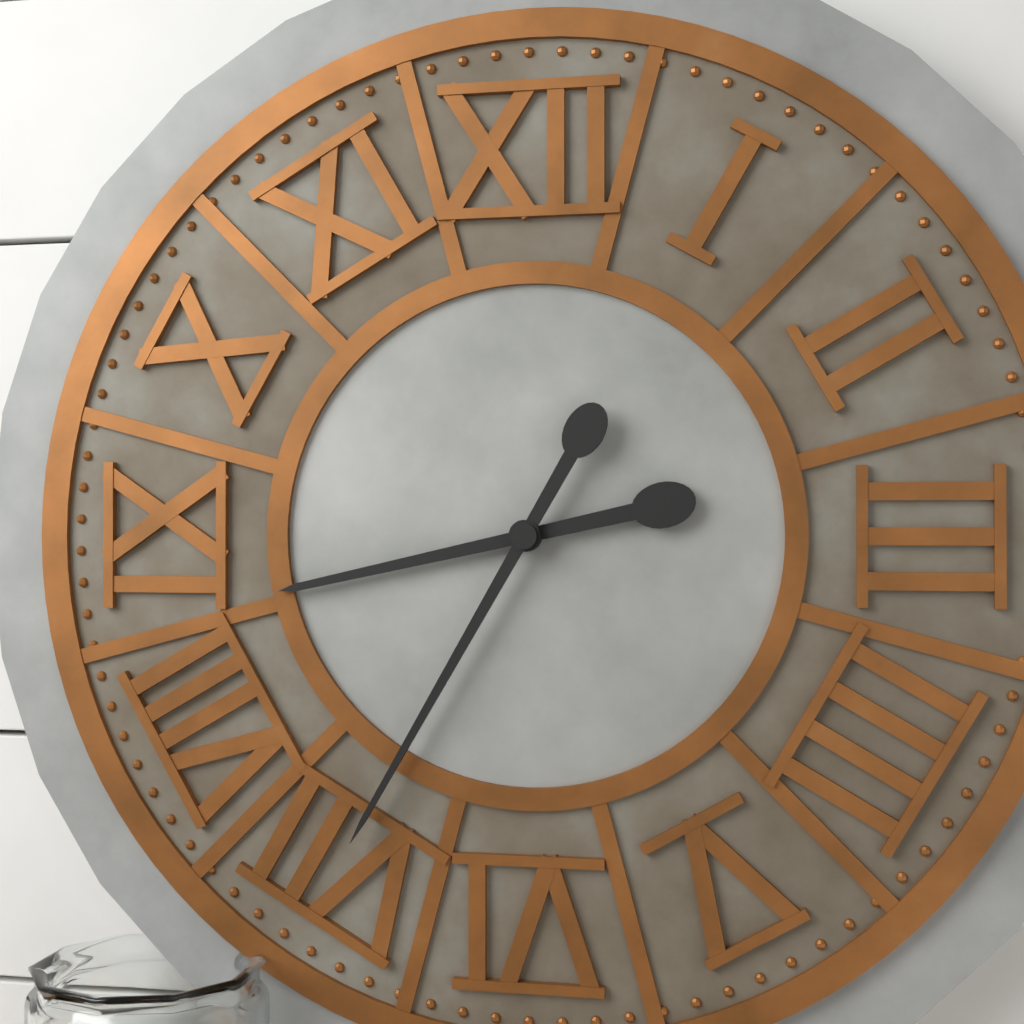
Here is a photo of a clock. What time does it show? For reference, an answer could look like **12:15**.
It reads **8:35**
